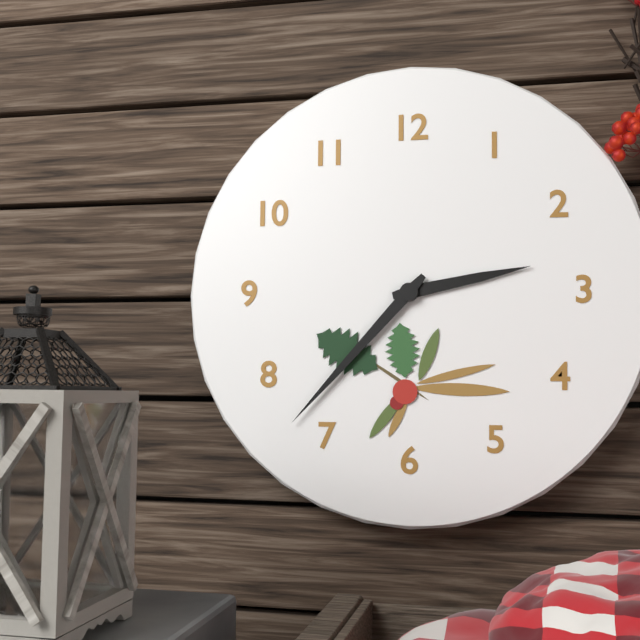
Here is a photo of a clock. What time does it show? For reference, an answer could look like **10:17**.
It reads **2:37**
